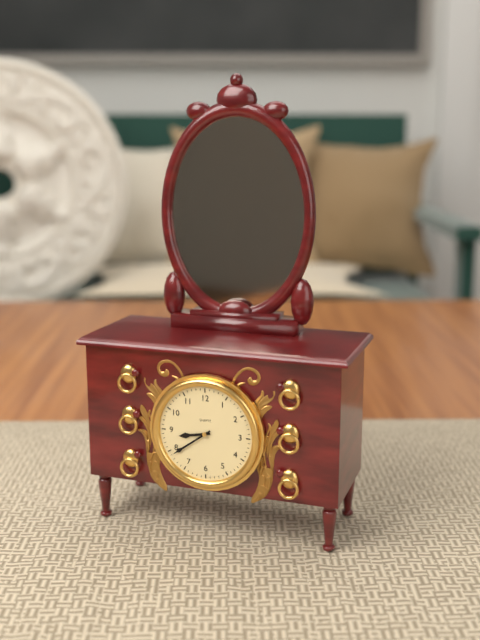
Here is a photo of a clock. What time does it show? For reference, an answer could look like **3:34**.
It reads **8:39**
